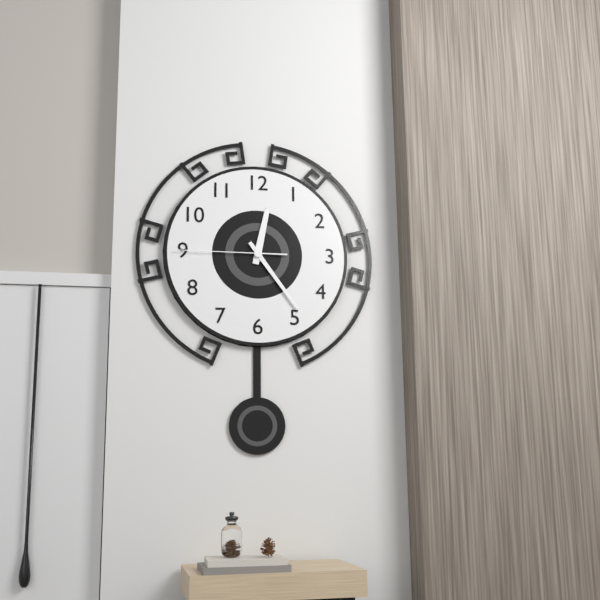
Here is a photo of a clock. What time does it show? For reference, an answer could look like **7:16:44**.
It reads **12:24:45**
